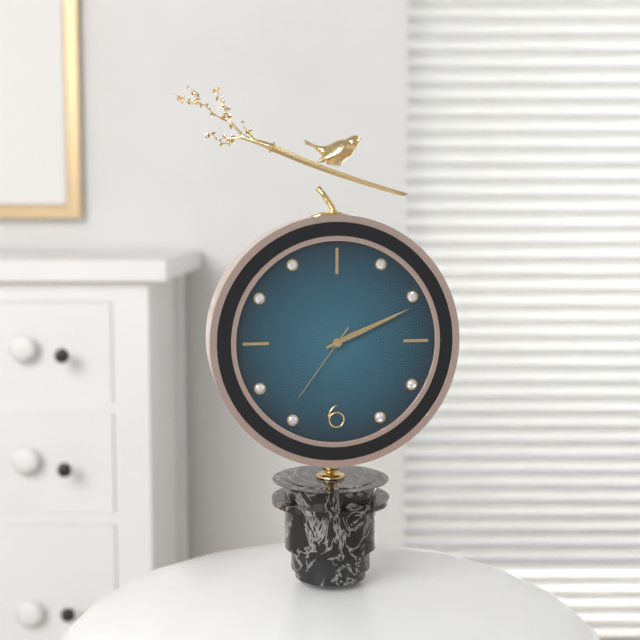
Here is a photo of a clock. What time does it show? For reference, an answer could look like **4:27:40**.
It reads **2:11:36**
